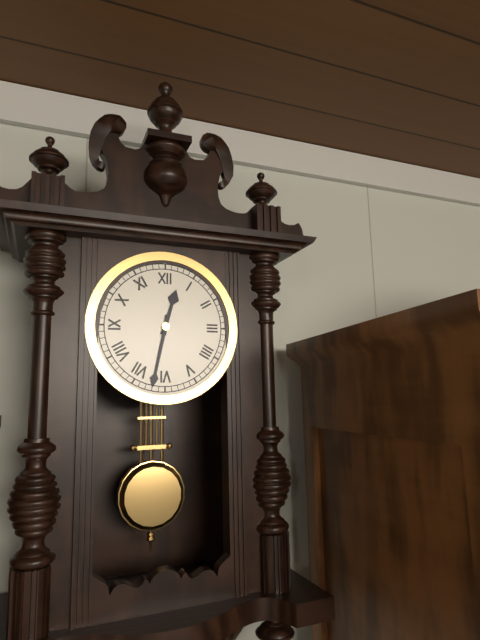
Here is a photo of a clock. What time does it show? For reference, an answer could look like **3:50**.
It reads **12:32**
